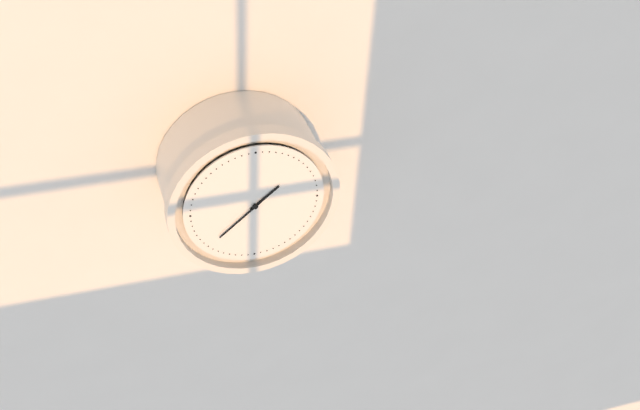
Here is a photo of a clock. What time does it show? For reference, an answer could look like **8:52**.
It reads **1:38**
